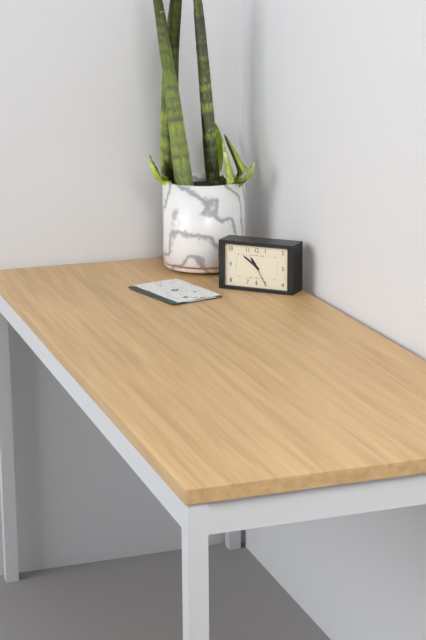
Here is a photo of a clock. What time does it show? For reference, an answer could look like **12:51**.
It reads **10:51**
